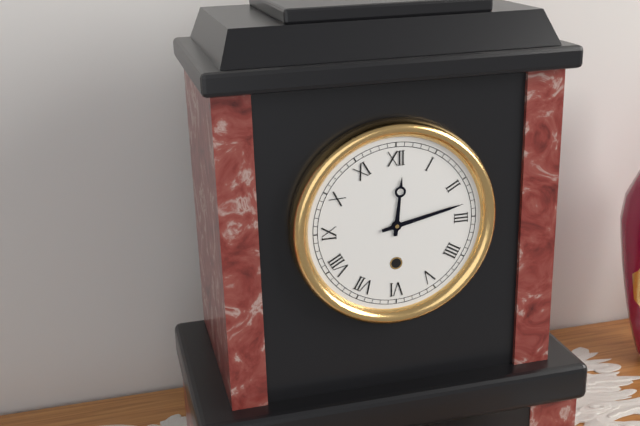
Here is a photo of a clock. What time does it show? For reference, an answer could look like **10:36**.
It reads **12:13**
